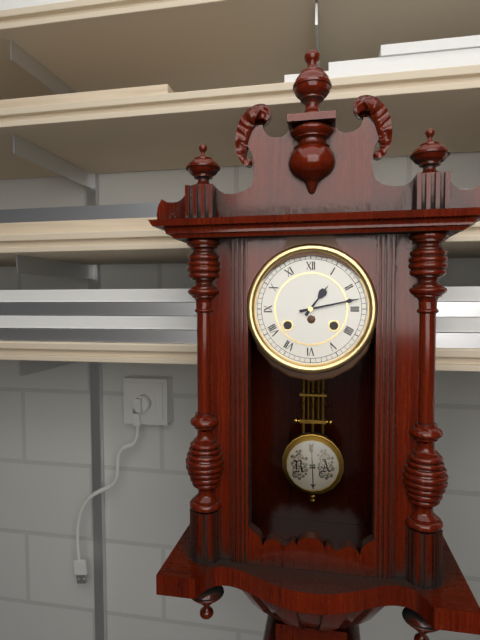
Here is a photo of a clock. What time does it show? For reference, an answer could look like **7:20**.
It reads **1:13**
